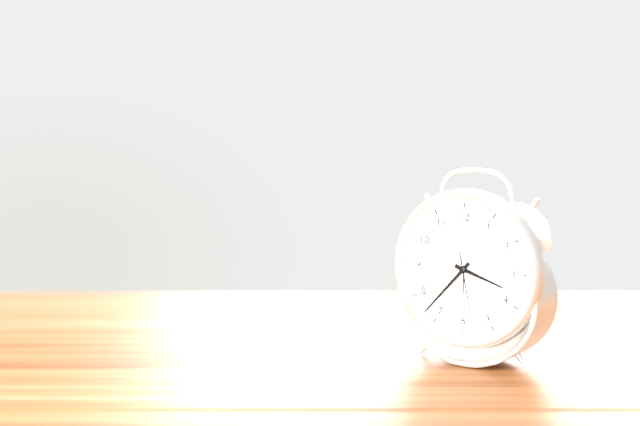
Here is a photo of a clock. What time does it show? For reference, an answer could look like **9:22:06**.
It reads **3:37:28**
